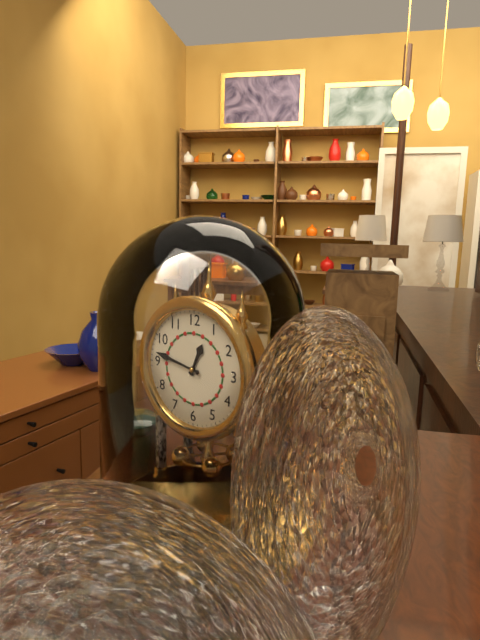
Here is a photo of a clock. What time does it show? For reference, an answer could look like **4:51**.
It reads **12:47**
